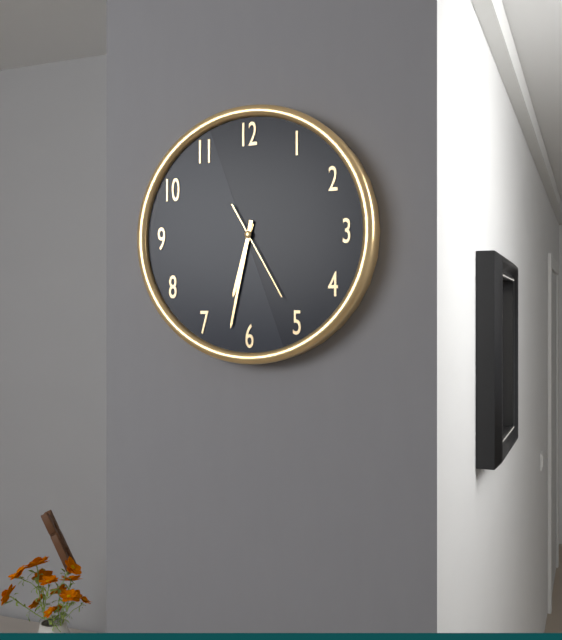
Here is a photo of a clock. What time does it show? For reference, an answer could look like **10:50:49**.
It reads **6:32:25**
